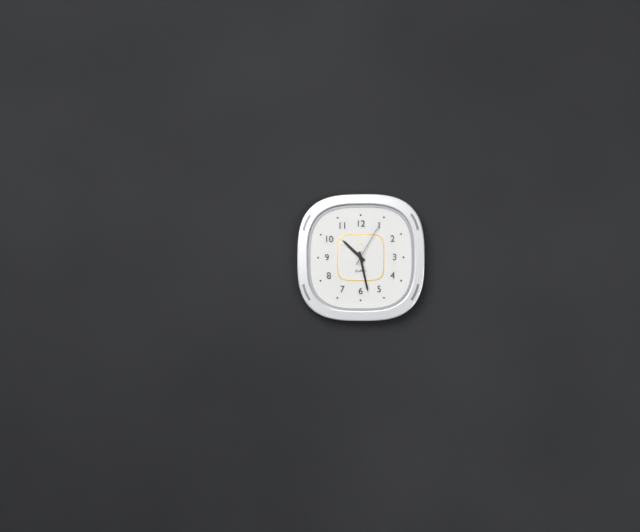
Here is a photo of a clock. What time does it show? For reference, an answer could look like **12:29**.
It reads **10:28**
